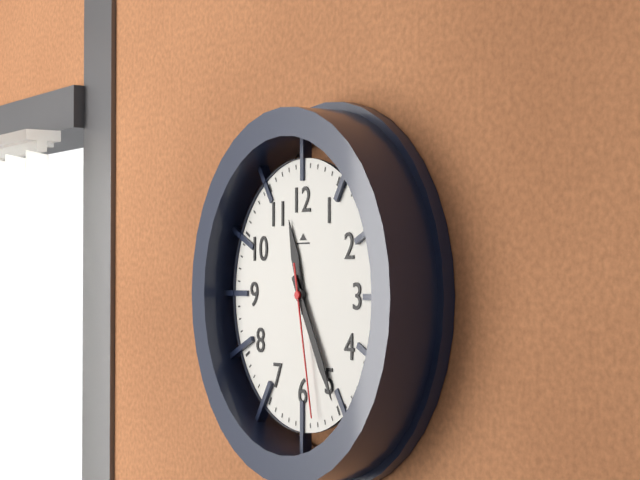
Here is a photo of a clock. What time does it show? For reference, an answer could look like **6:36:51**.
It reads **11:25:28**
